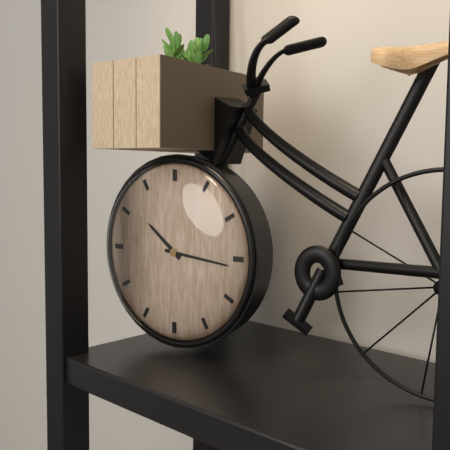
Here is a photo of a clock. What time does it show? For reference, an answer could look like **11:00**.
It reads **10:16**
